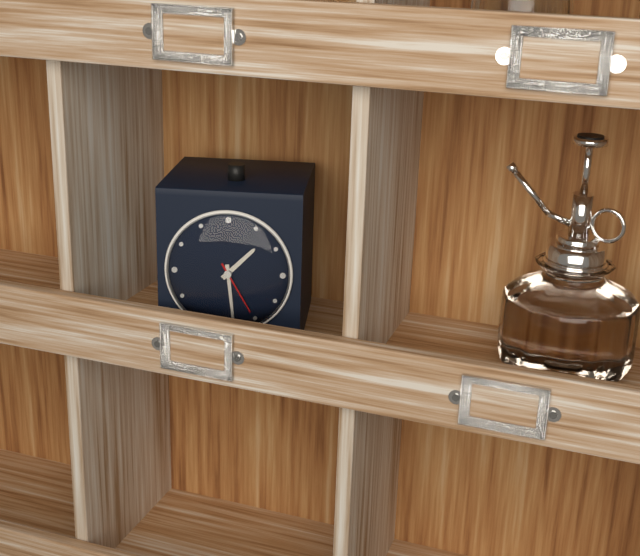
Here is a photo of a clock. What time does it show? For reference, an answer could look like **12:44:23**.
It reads **1:29:25**
